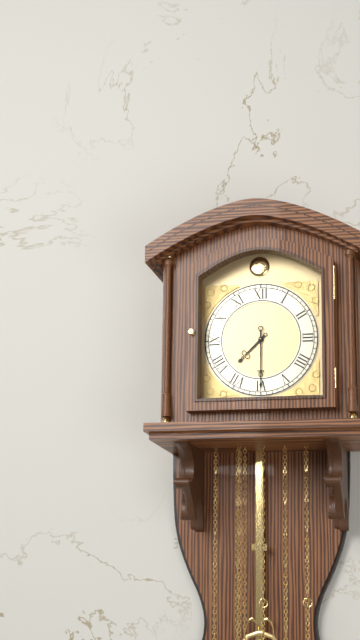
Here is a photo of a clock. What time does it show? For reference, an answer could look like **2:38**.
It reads **7:30**
